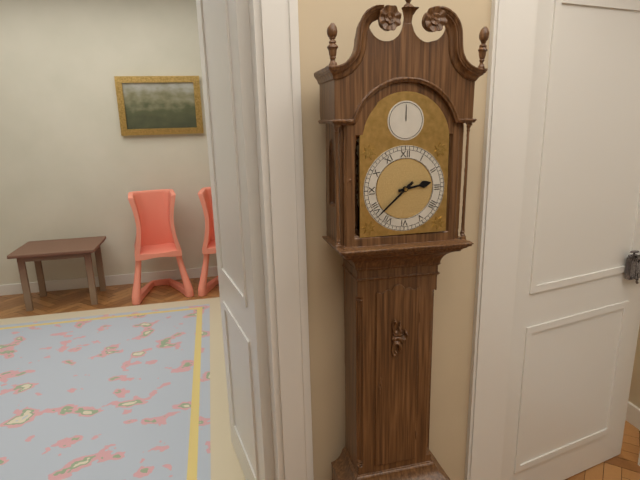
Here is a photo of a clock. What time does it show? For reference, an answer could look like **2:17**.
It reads **2:38**
